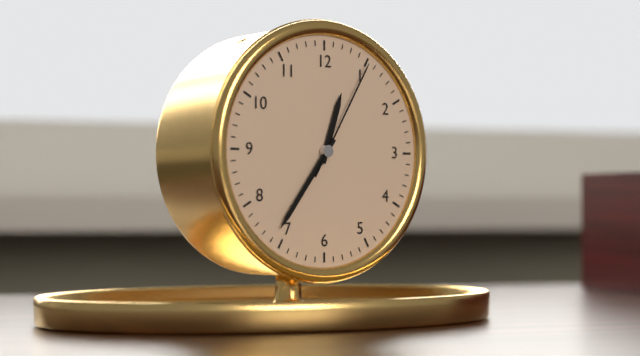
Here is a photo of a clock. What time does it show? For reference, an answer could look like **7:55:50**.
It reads **12:36:05**
